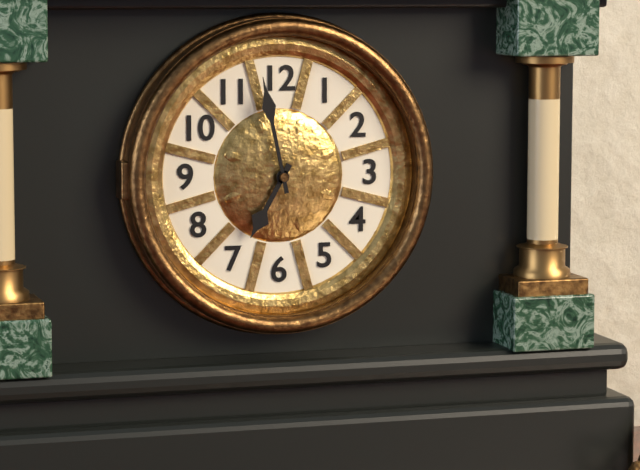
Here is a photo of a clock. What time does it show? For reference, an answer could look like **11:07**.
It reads **6:58**
